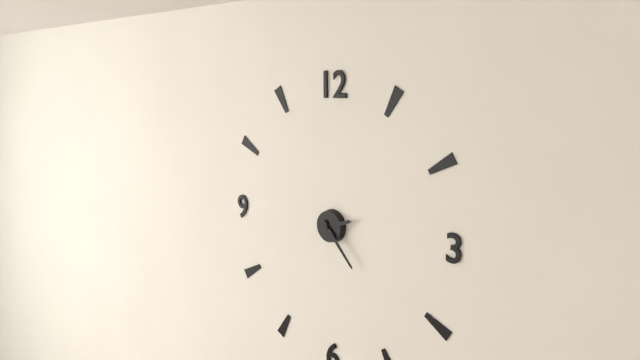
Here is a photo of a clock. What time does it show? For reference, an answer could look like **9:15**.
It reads **2:23**
